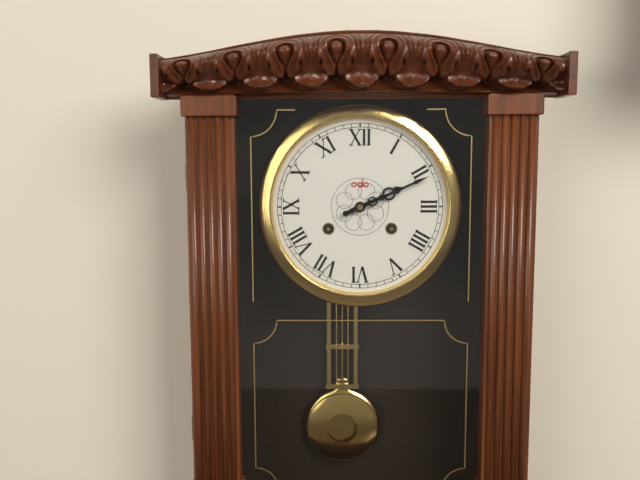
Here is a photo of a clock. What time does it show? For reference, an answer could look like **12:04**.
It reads **2:11**
